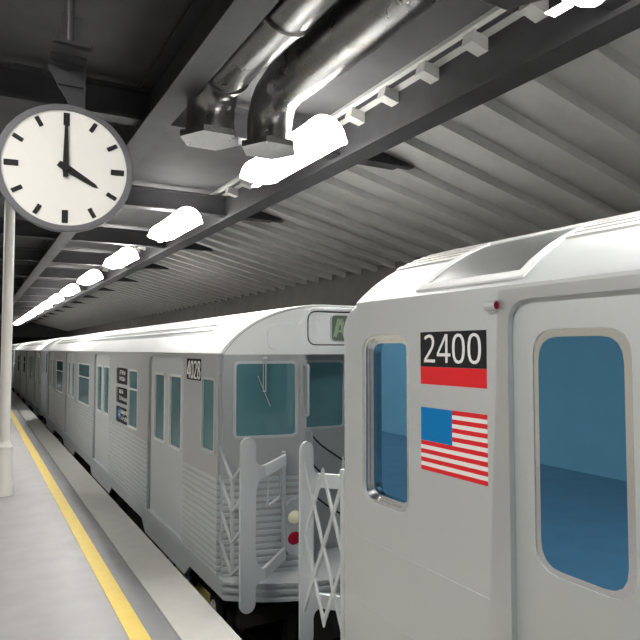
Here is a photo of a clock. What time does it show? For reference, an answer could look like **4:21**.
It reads **4:00**
